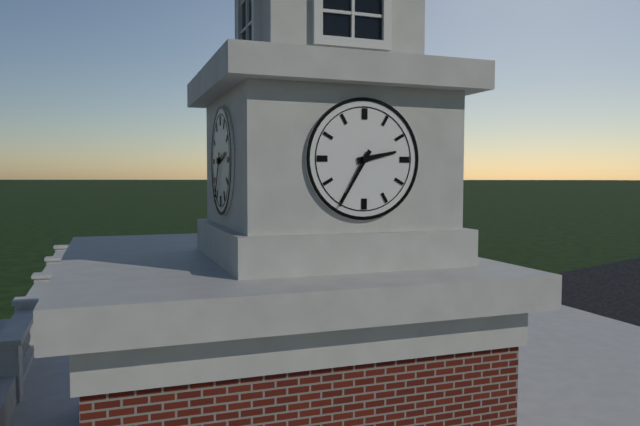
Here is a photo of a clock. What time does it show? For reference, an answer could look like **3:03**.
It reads **2:35**
